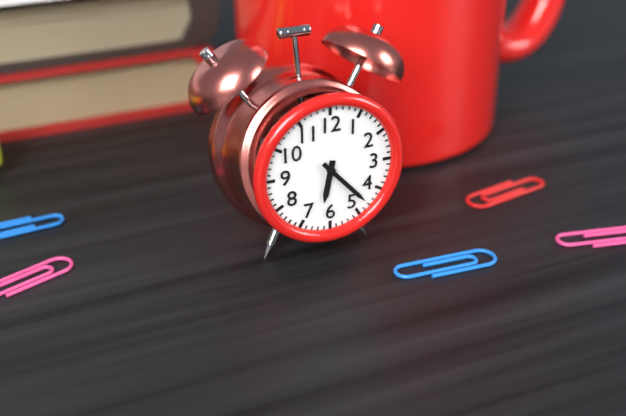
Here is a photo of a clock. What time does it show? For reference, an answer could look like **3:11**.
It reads **6:23**
